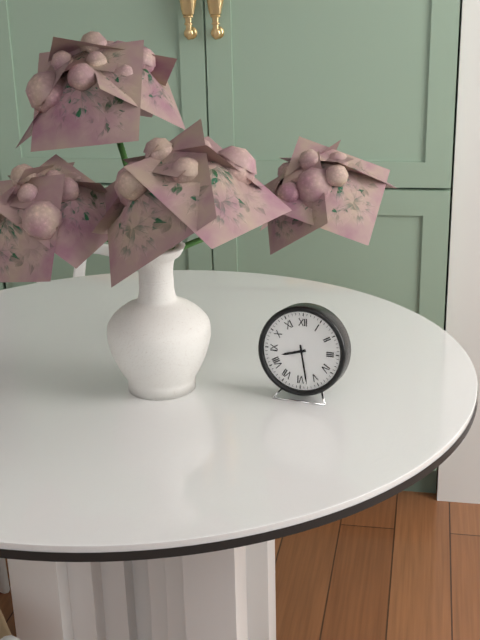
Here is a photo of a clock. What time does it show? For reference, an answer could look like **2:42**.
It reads **8:28**
